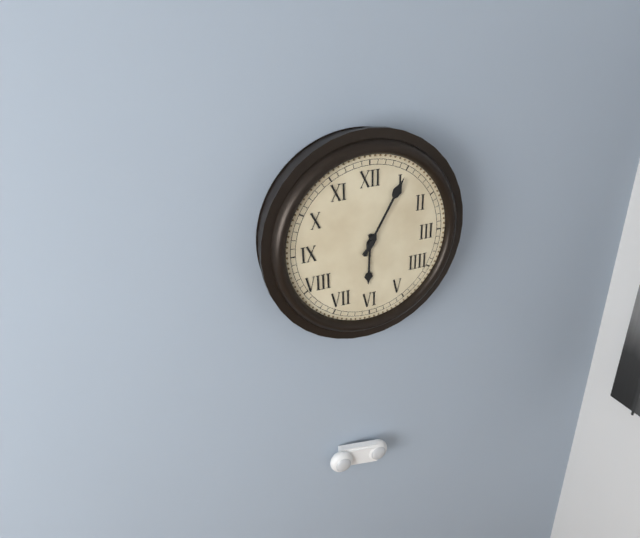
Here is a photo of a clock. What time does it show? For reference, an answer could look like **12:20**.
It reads **6:05**
